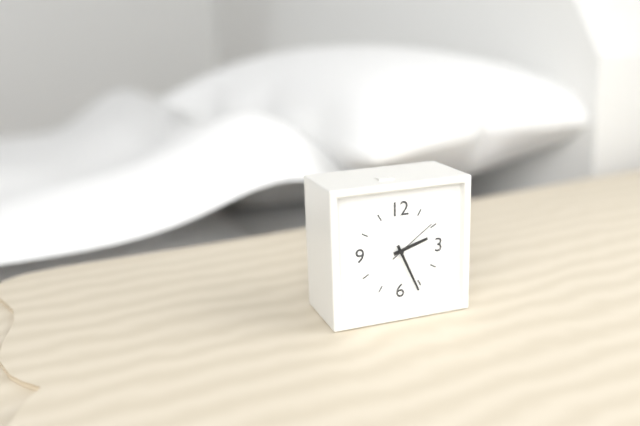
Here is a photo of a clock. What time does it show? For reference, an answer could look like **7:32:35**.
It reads **2:26:09**
